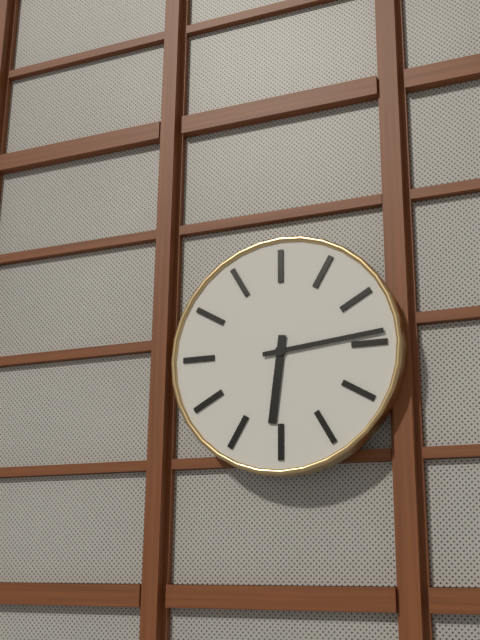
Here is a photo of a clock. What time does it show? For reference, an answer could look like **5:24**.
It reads **6:14**
